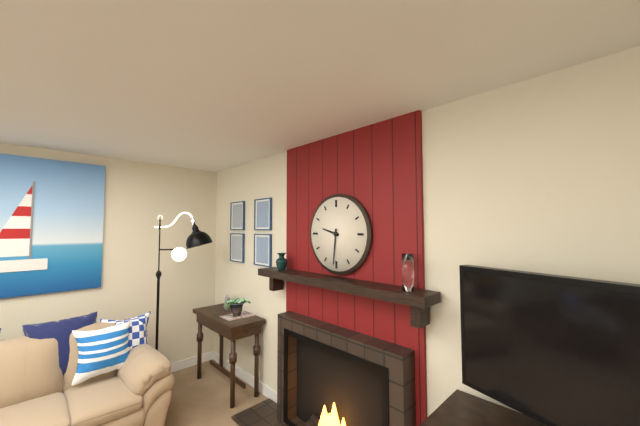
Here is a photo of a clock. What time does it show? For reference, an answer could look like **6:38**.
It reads **9:31**
